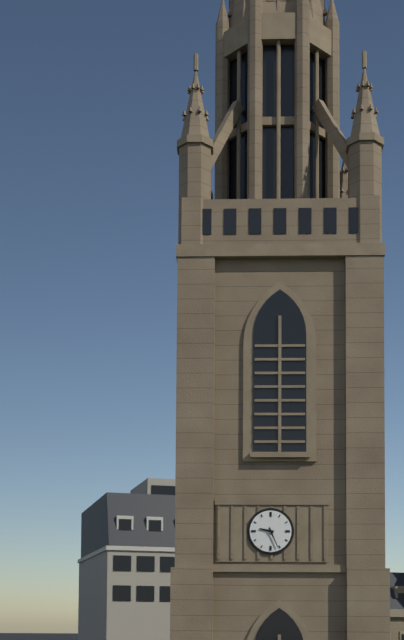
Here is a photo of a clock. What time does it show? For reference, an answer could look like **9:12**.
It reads **9:26**
